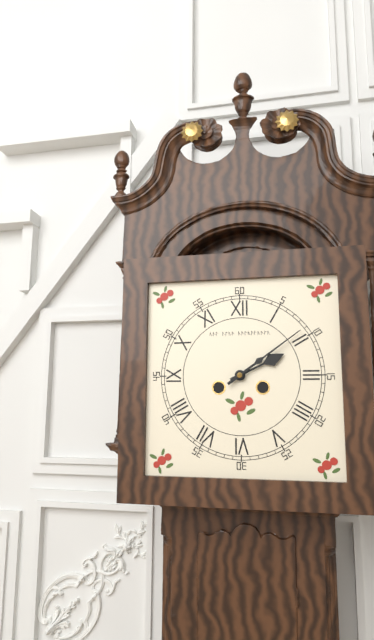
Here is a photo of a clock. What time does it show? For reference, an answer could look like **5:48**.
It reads **2:09**
